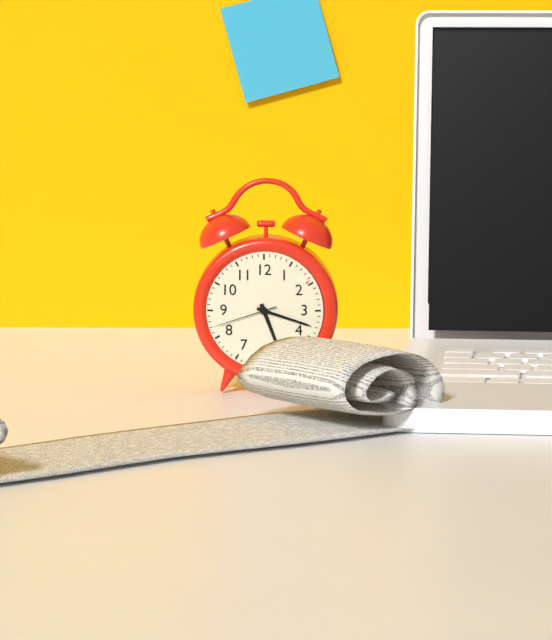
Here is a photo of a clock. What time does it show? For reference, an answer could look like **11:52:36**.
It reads **5:18:42**
